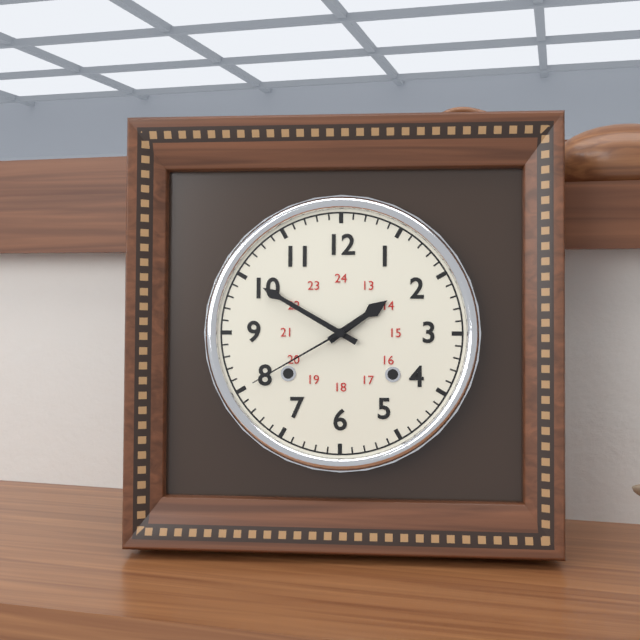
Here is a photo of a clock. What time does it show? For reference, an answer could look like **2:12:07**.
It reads **1:50:40**
